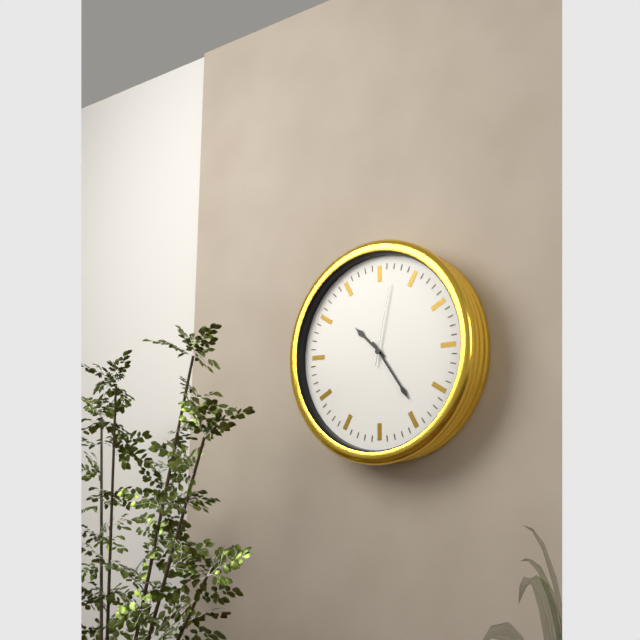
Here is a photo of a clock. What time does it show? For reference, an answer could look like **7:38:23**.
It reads **10:24:02**
